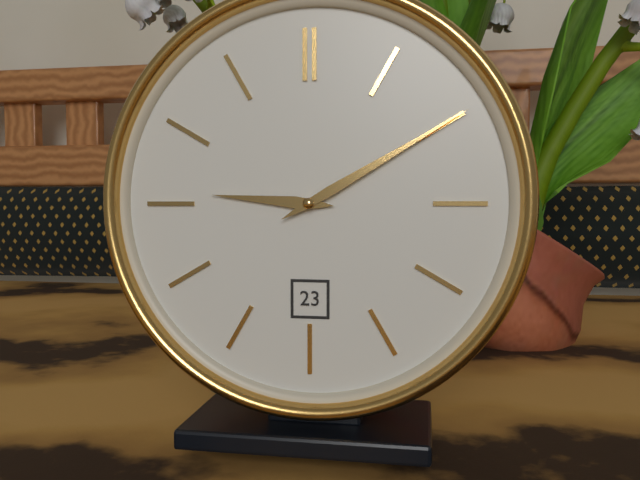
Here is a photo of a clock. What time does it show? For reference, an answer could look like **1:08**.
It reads **9:10**
